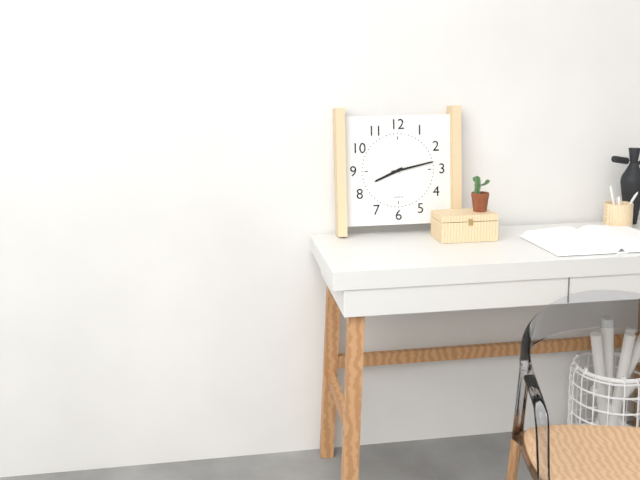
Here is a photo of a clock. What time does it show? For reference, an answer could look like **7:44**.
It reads **8:13**
